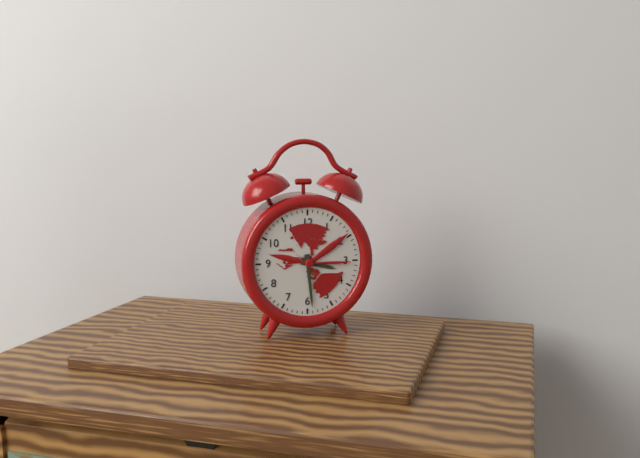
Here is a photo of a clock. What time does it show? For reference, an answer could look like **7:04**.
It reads **3:29**
